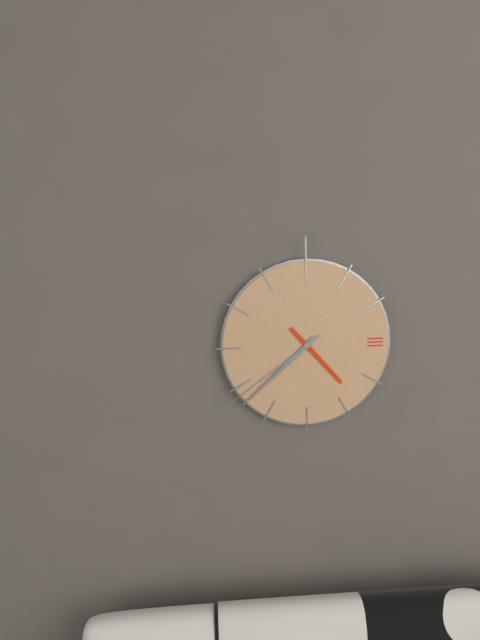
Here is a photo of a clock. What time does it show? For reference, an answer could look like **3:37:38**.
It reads **4:38:39**
